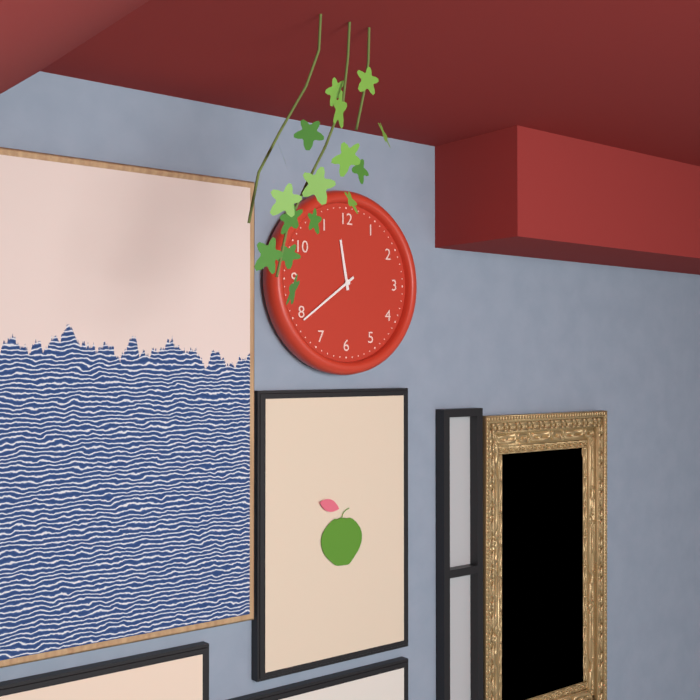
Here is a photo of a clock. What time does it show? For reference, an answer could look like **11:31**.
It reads **11:39**
